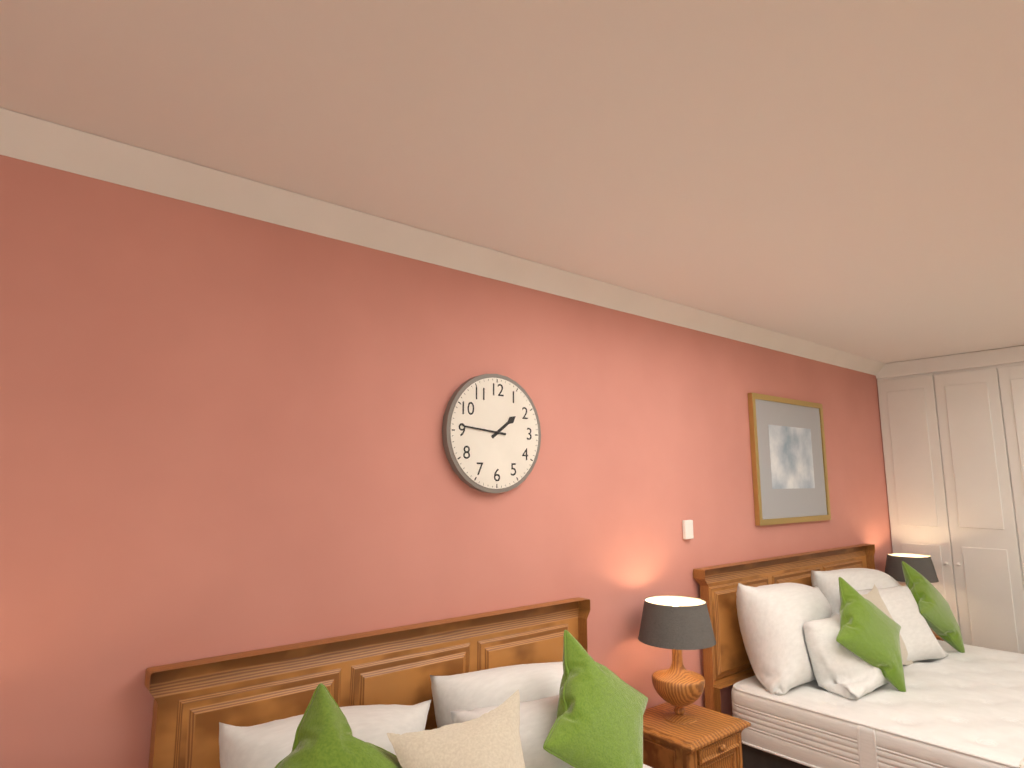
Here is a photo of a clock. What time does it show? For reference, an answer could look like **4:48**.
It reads **1:46**
